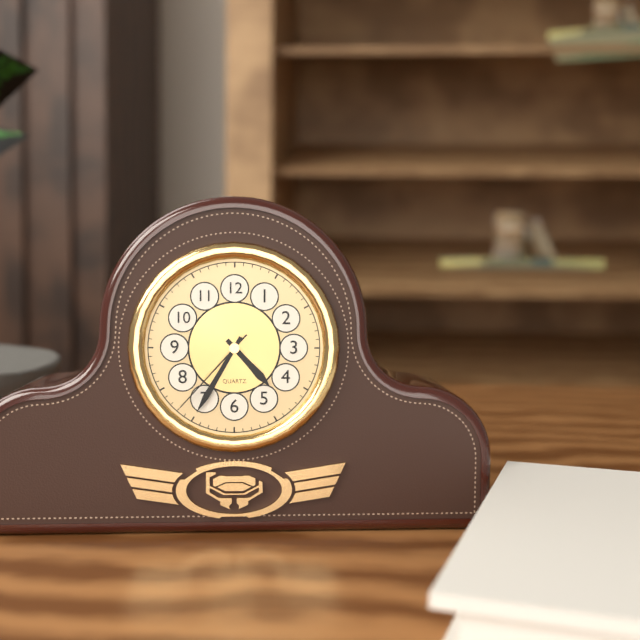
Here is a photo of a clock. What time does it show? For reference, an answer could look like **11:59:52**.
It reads **4:35:37**
